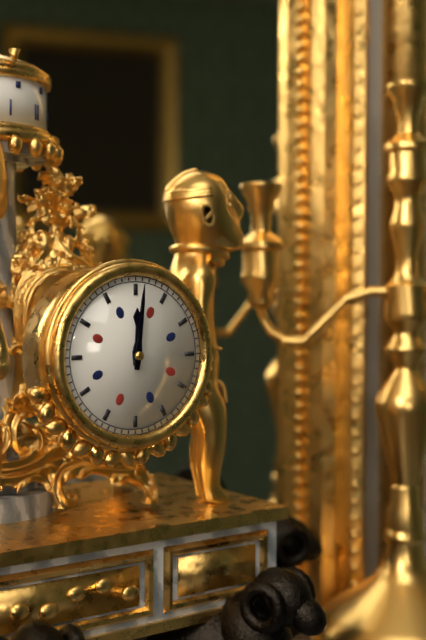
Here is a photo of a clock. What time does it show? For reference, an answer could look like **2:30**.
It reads **12:01**
